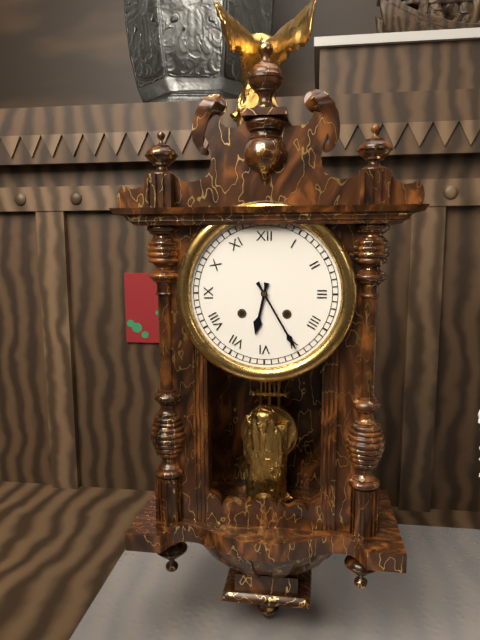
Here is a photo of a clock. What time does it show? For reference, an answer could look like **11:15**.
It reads **6:25**
